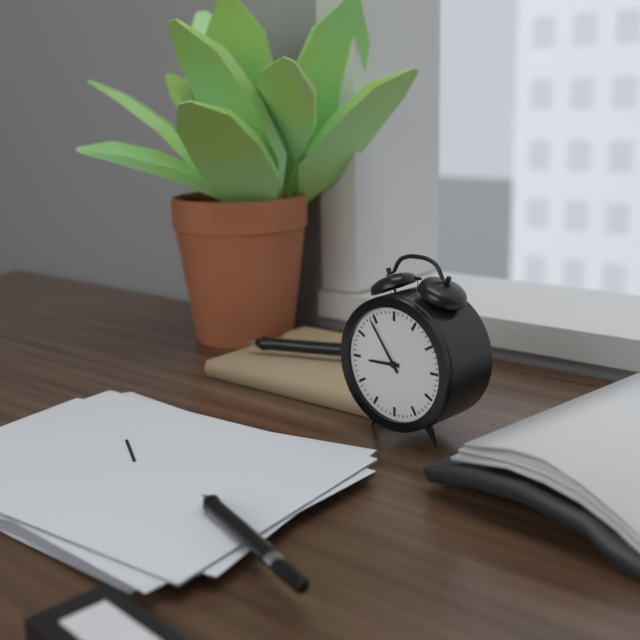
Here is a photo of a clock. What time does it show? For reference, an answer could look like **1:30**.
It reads **8:54**
